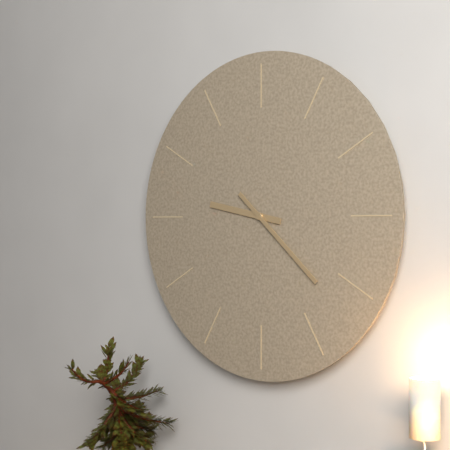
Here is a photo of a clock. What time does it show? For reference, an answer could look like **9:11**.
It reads **9:22**
